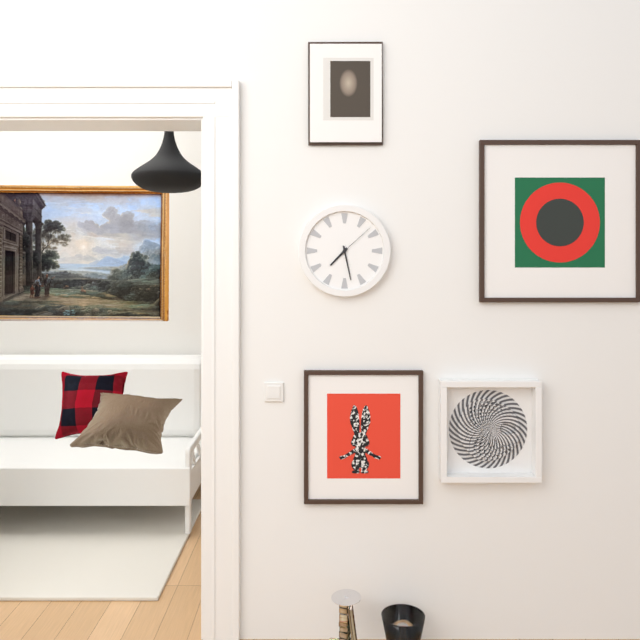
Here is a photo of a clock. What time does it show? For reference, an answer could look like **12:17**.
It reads **7:28**
